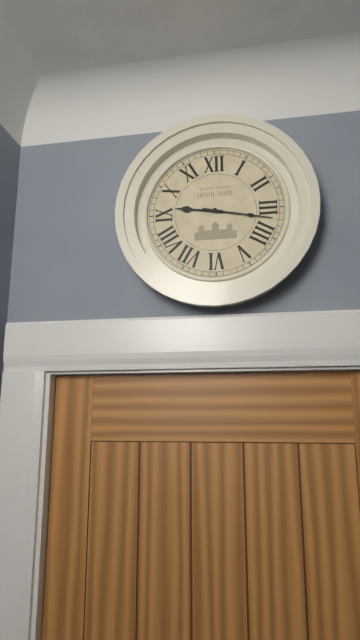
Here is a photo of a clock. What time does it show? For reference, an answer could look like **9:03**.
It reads **9:17**
